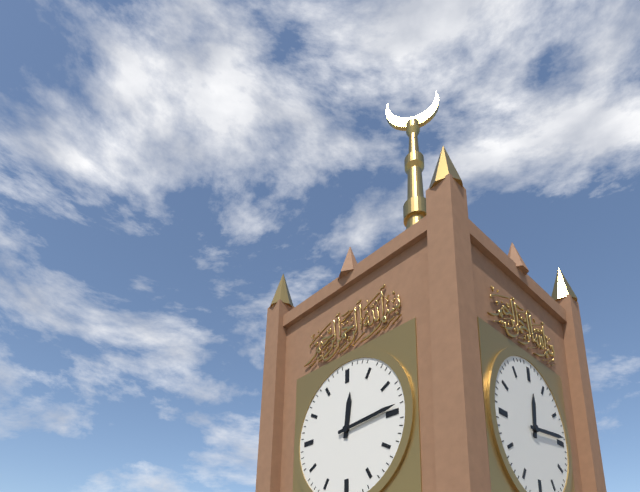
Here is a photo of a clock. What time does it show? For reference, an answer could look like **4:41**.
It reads **12:14**
